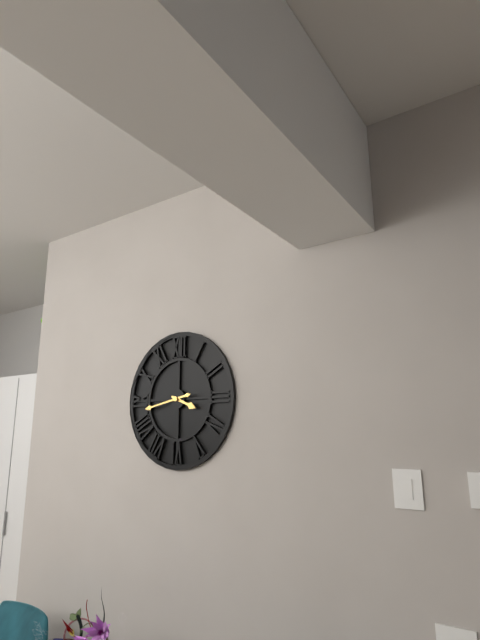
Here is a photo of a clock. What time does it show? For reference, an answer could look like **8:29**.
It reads **3:43**
